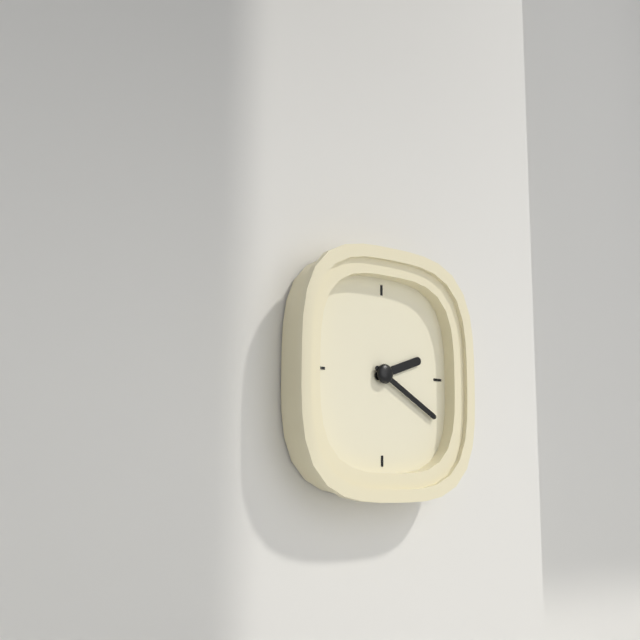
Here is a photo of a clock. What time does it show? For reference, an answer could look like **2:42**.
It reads **2:20**
